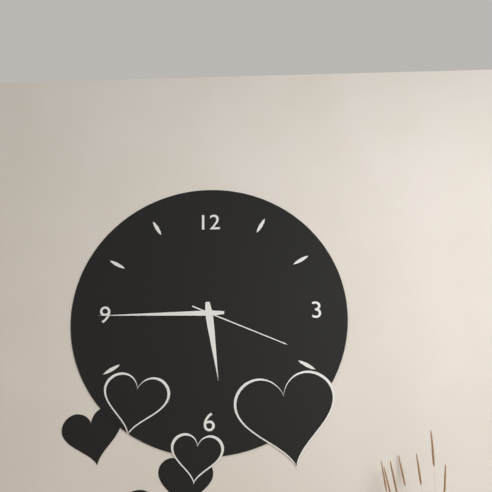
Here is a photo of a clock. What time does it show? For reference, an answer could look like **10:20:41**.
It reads **5:45:19**
